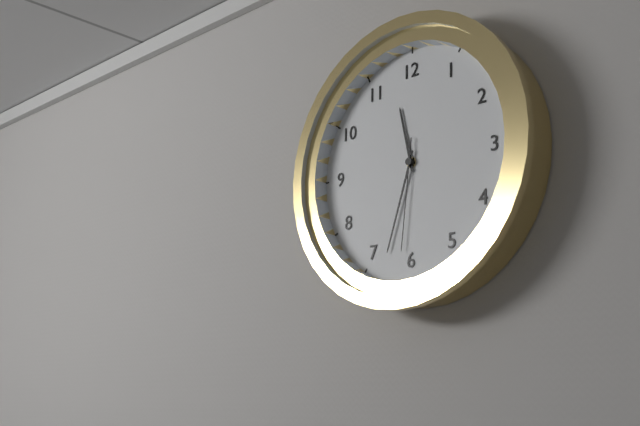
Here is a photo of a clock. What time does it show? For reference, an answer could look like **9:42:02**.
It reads **11:33:31**
